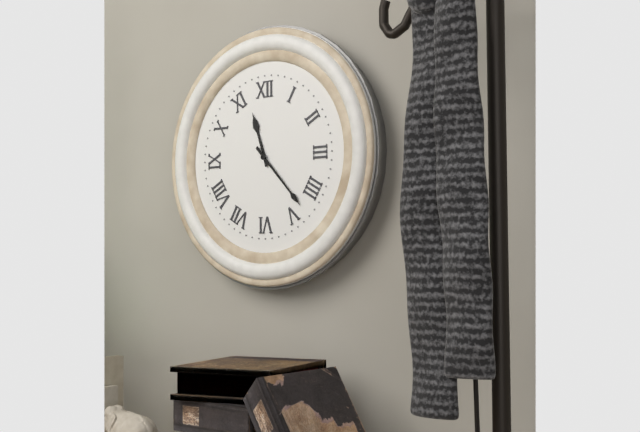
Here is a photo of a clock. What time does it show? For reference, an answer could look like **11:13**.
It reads **11:23**
